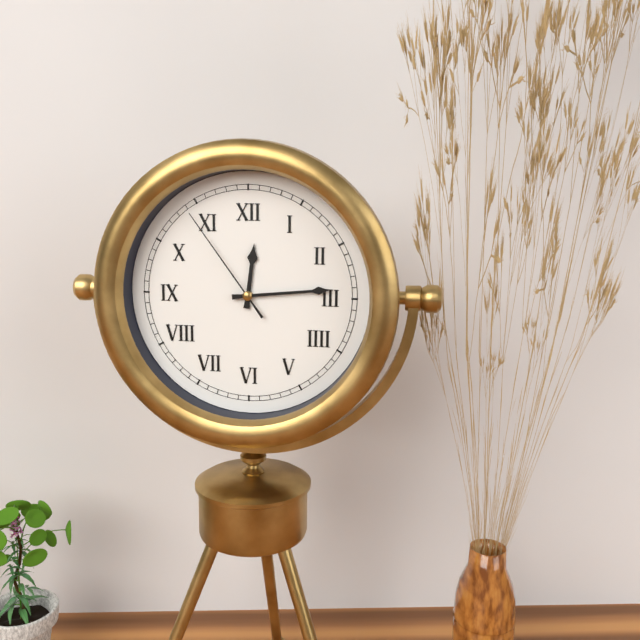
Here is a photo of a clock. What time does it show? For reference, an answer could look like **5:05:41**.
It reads **12:14:54**
